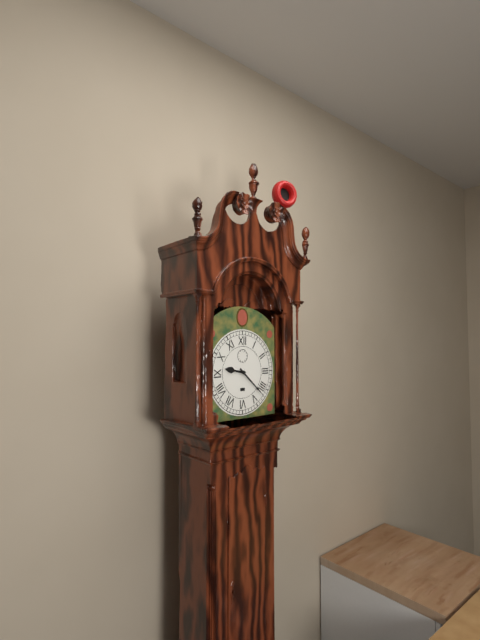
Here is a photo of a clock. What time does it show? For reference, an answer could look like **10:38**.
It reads **9:22**
